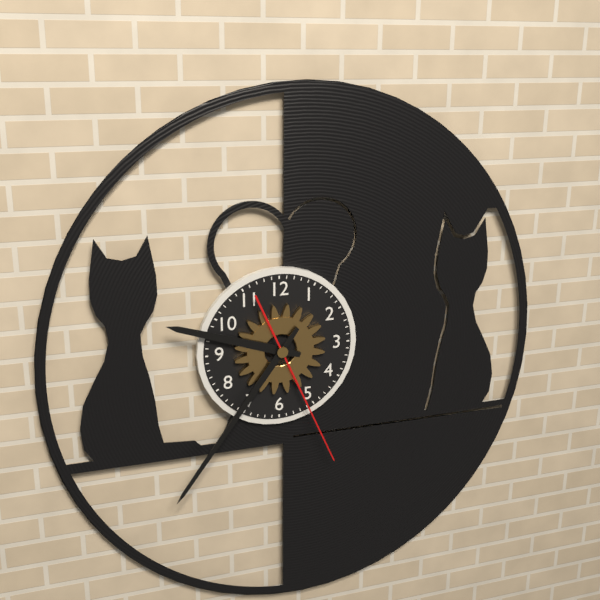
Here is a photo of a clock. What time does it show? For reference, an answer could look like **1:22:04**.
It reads **9:36:26**
